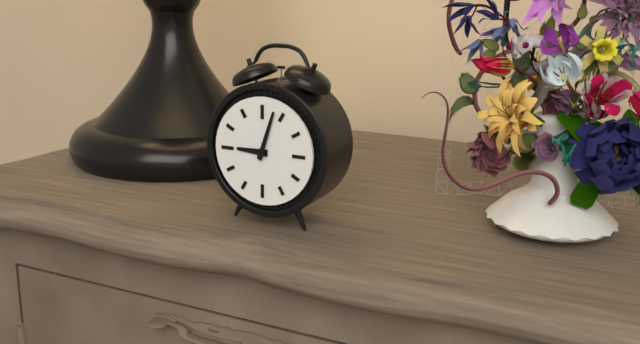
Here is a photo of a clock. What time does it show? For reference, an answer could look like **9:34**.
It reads **9:03**
